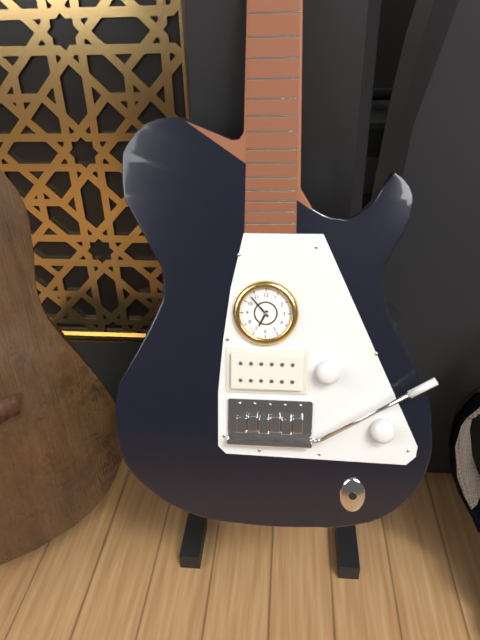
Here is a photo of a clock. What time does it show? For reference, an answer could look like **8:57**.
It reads **6:53**
